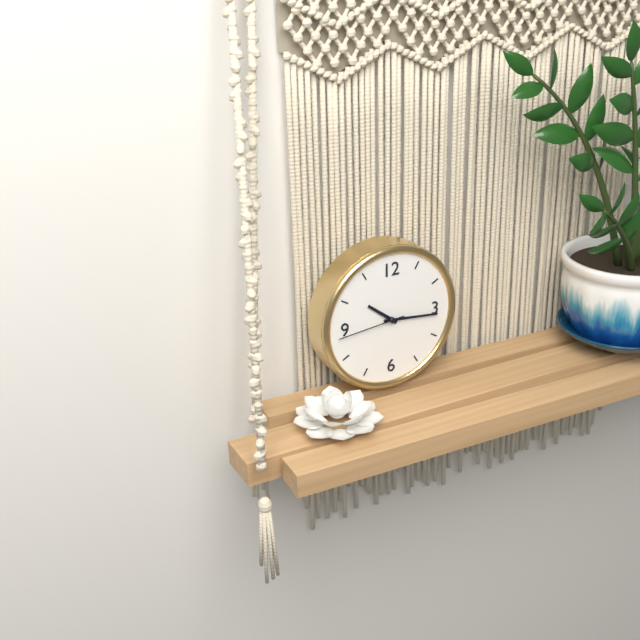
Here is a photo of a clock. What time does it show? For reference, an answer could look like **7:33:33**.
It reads **10:16:44**
